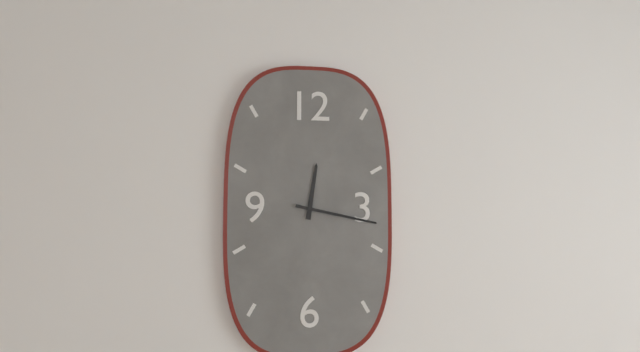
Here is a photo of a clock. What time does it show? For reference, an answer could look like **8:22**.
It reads **12:17**
